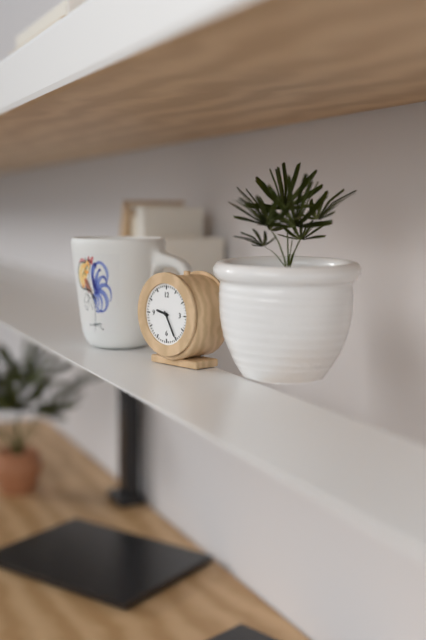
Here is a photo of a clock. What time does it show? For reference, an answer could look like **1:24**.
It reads **9:25**
